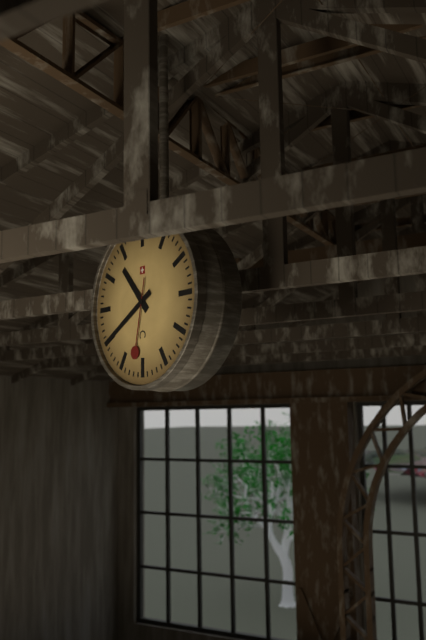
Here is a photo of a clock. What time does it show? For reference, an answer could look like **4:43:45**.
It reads **10:40:32**
